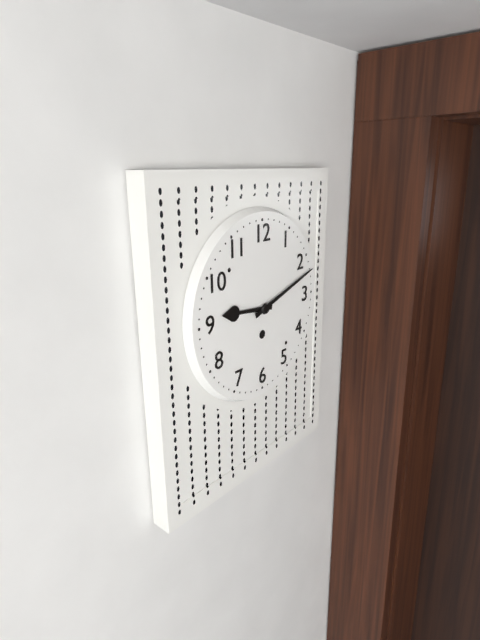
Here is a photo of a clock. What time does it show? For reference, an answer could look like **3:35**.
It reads **9:12**
